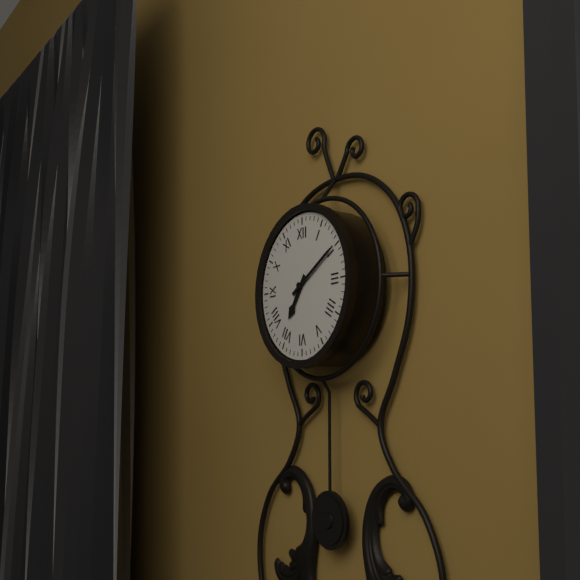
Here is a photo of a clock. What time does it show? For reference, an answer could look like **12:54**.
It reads **7:10**
